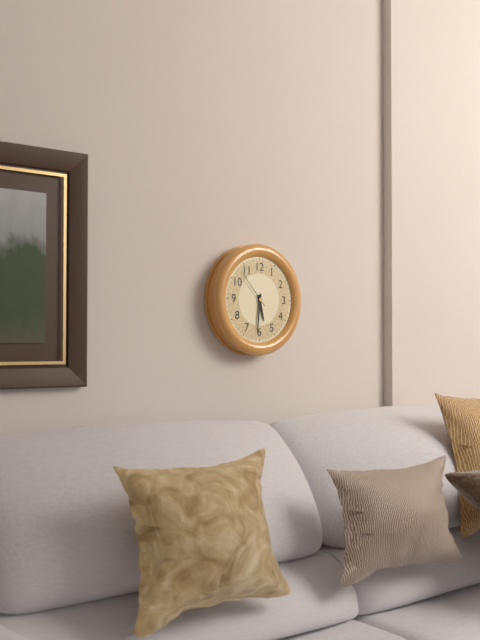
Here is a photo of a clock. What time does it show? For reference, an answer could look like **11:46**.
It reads **5:31**
